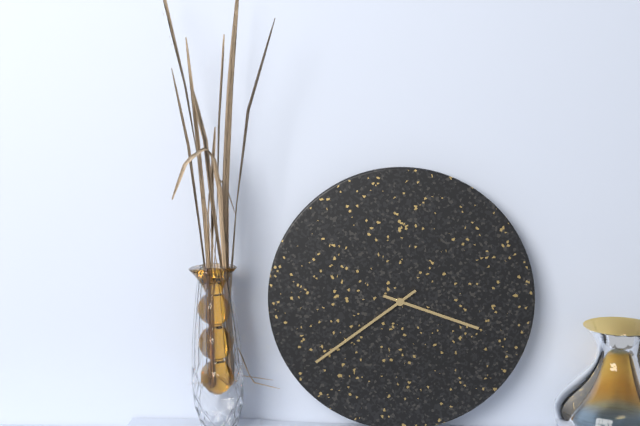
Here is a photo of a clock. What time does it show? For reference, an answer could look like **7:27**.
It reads **3:39**
